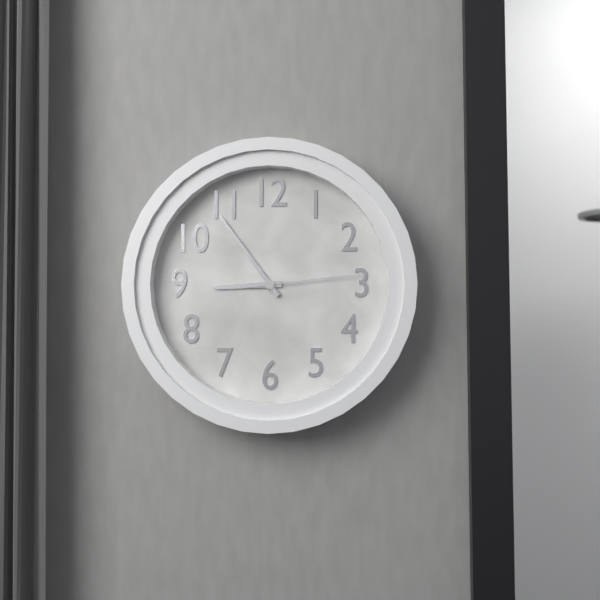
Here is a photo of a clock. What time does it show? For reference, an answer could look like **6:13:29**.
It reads **8:54:14**
